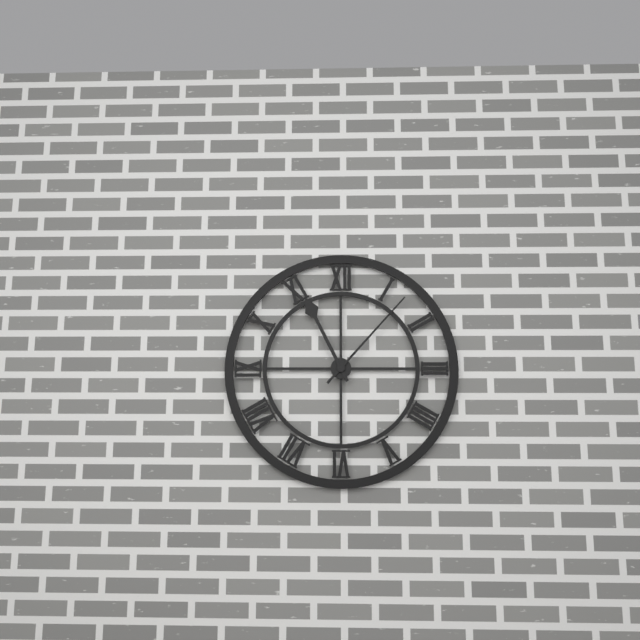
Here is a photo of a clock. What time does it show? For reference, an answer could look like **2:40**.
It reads **11:07**
